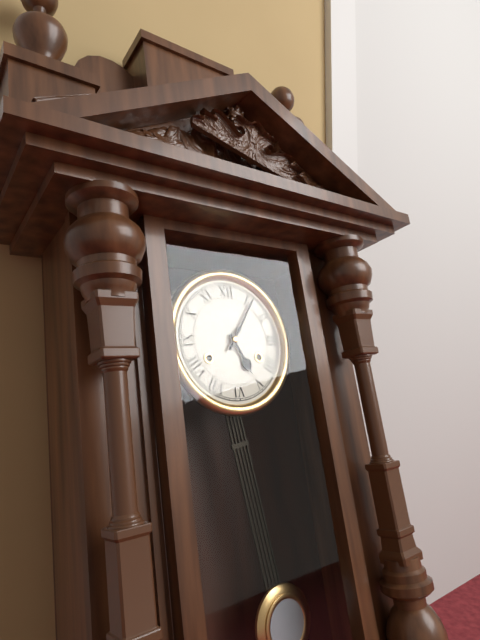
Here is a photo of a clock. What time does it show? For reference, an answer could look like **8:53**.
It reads **5:06**
